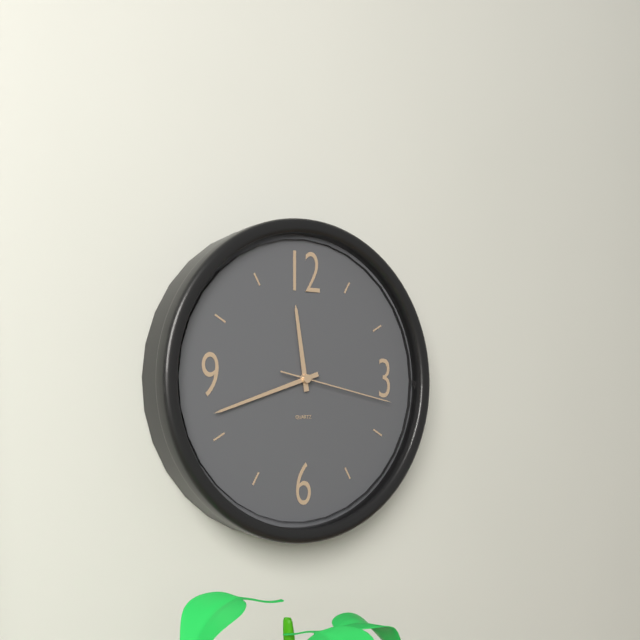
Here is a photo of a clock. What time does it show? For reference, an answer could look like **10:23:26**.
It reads **11:42:17**
